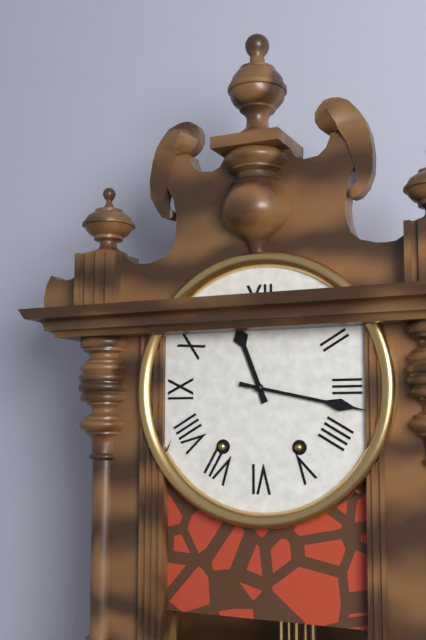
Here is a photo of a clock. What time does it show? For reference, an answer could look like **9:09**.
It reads **11:17**
